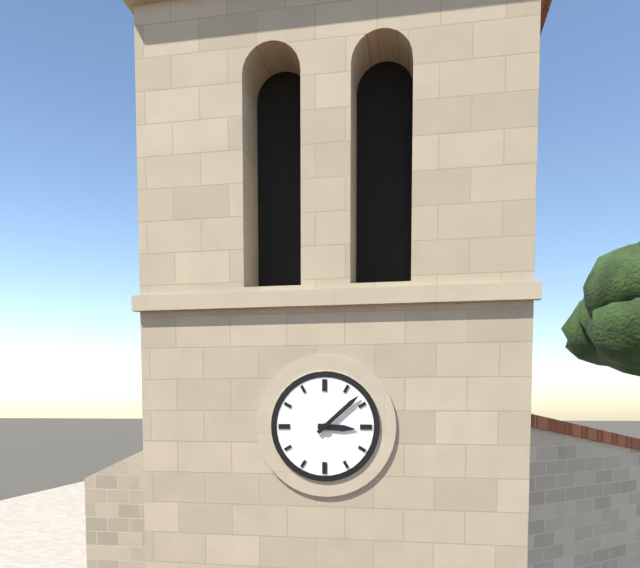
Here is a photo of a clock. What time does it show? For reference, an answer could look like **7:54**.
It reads **3:08**
